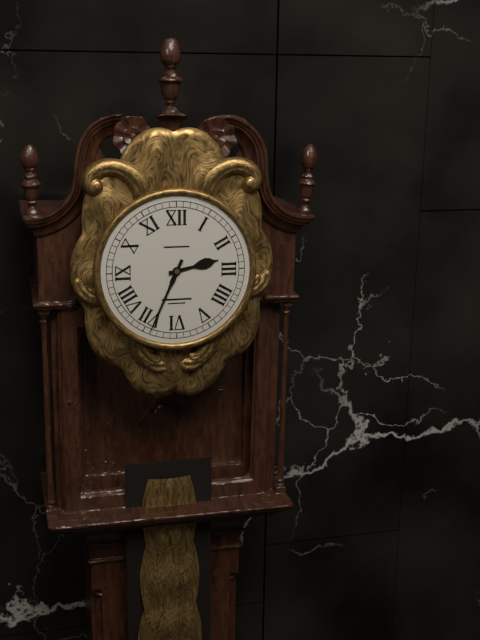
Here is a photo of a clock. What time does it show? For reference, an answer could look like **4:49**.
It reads **2:34**
